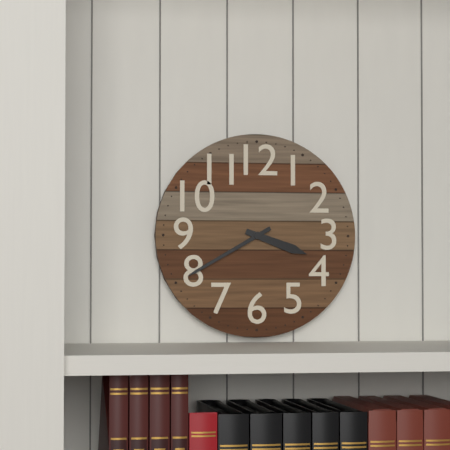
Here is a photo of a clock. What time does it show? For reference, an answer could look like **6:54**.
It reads **3:40**
